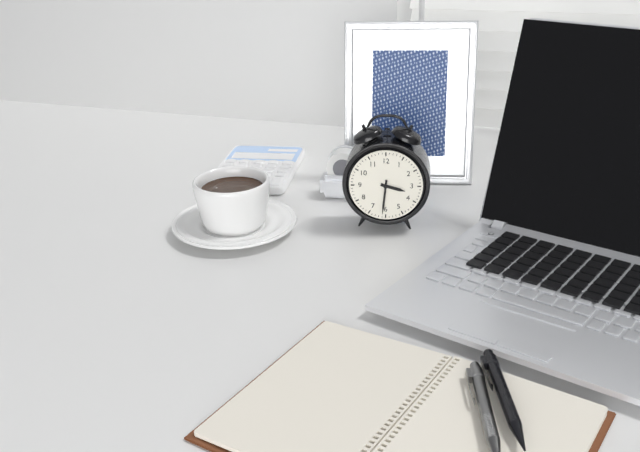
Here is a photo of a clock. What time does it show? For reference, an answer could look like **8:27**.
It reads **3:31**
